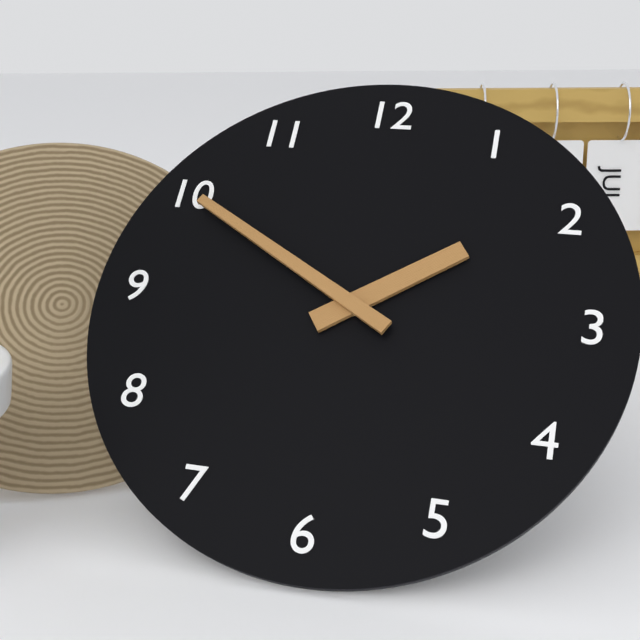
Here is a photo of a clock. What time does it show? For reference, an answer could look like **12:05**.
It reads **1:50**
